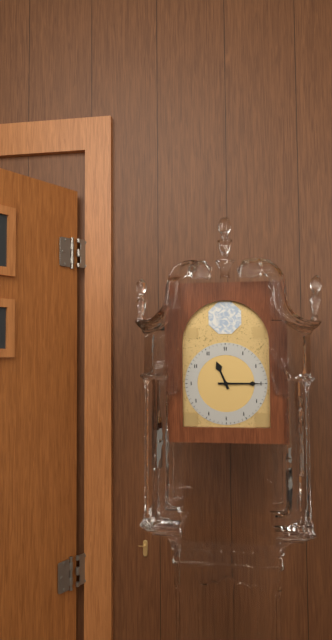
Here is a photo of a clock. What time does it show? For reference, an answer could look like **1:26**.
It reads **11:15**
